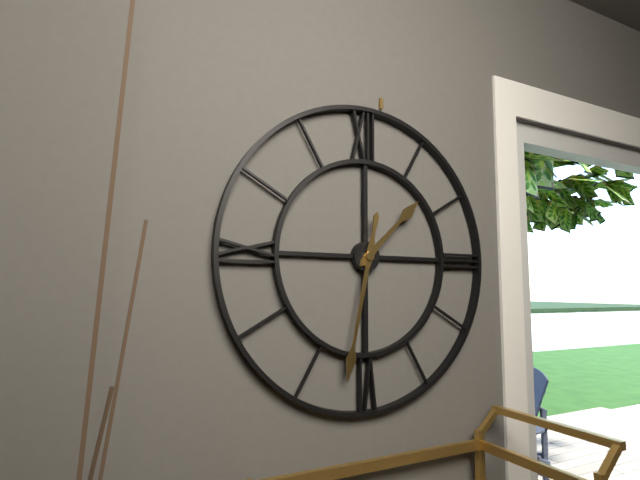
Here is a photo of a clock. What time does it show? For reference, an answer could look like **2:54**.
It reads **1:32**
